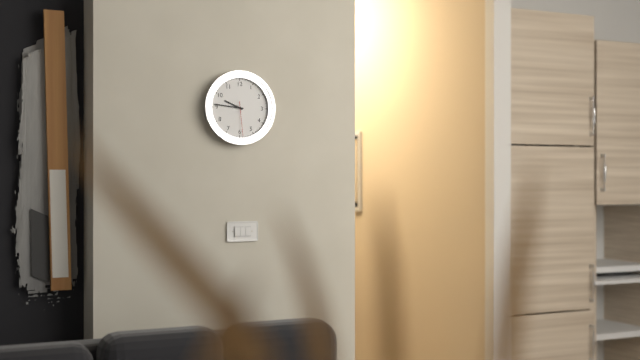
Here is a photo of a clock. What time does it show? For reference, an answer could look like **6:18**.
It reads **9:46**
